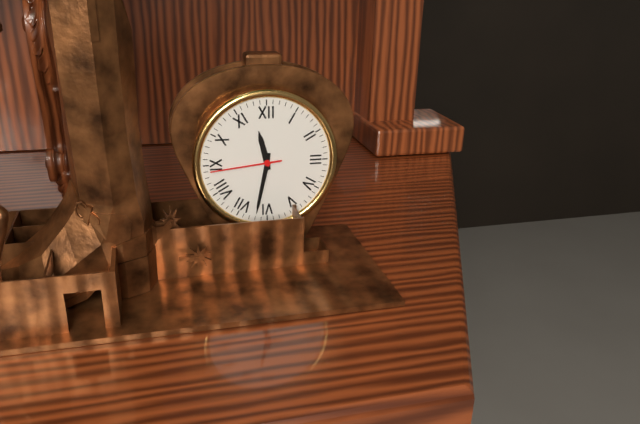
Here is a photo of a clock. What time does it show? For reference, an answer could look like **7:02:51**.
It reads **11:32:44**
